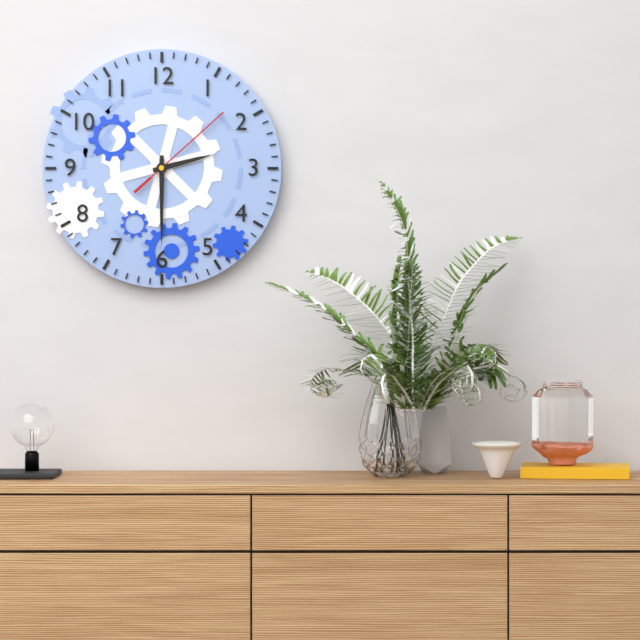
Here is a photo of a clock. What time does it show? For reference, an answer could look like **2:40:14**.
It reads **2:30:08**
